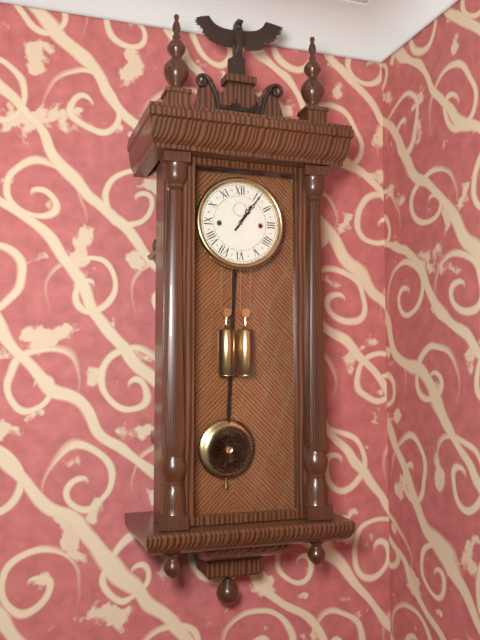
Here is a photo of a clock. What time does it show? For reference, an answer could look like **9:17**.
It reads **1:06**
